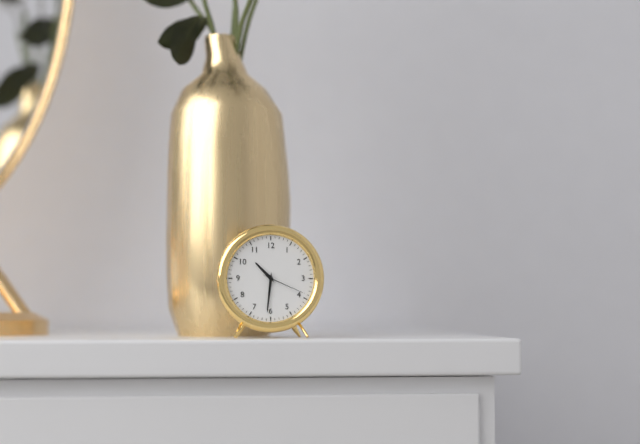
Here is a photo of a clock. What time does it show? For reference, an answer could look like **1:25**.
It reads **10:31**
